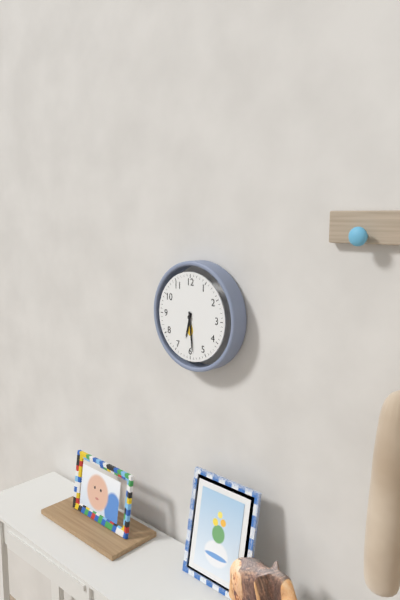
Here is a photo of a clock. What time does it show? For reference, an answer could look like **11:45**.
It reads **6:29**
